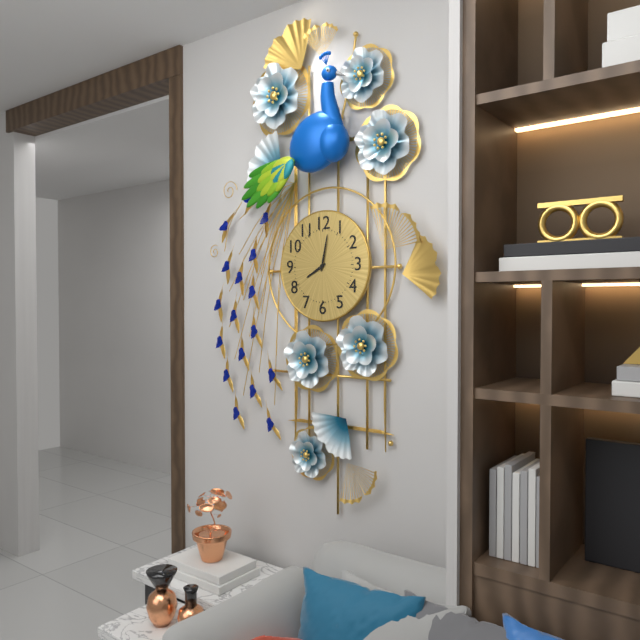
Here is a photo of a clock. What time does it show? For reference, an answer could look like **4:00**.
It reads **8:02**
